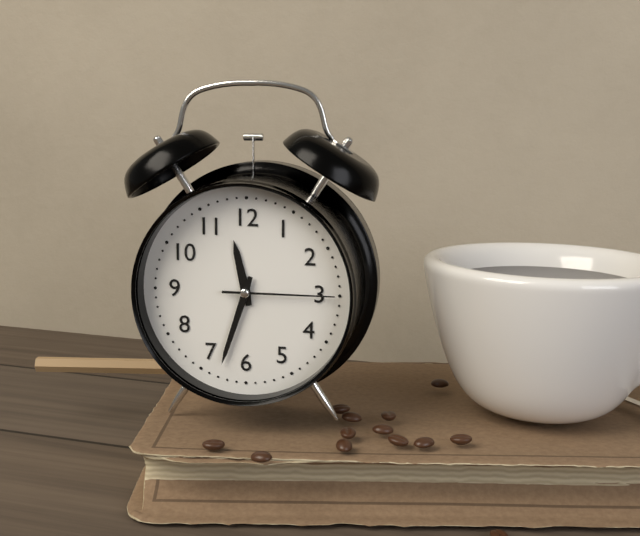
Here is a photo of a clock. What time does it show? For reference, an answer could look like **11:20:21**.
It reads **11:33:15**
